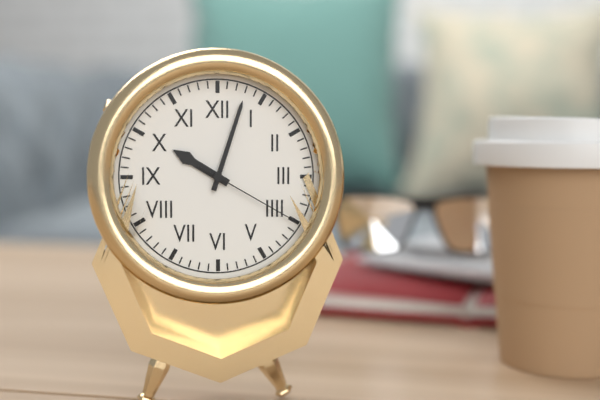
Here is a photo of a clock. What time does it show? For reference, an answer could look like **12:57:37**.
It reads **10:03:20**
